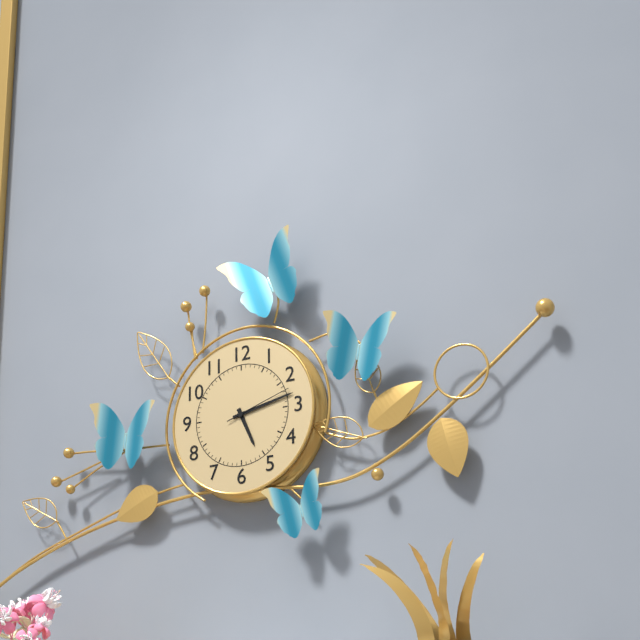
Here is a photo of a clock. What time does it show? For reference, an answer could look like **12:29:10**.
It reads **5:13:12**
